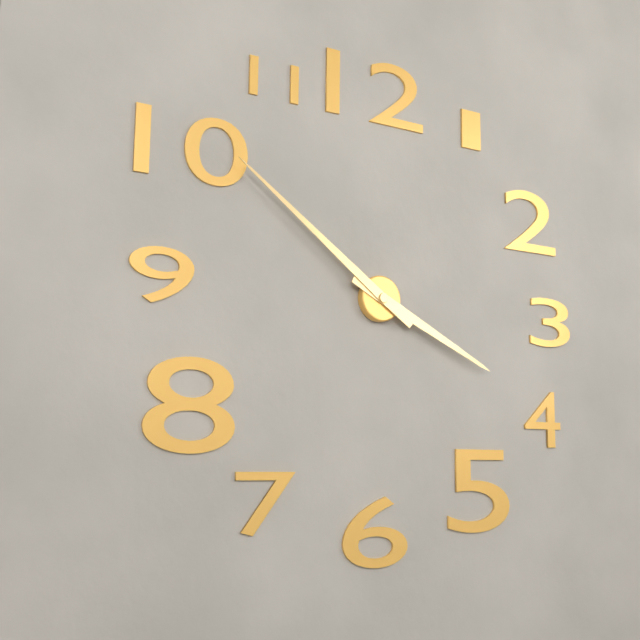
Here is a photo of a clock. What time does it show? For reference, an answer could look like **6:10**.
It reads **3:51**
